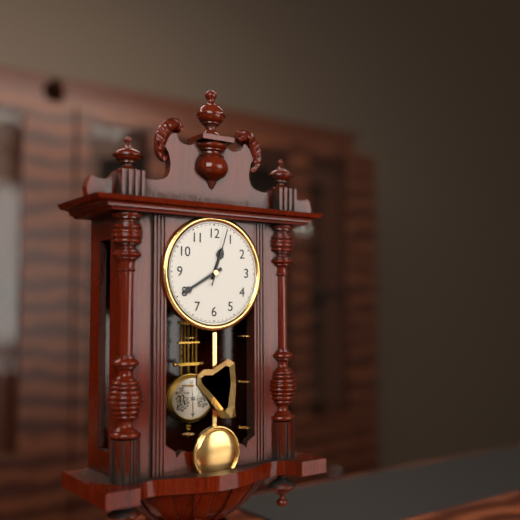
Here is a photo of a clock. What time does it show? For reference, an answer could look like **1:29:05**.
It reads **12:40:03**
